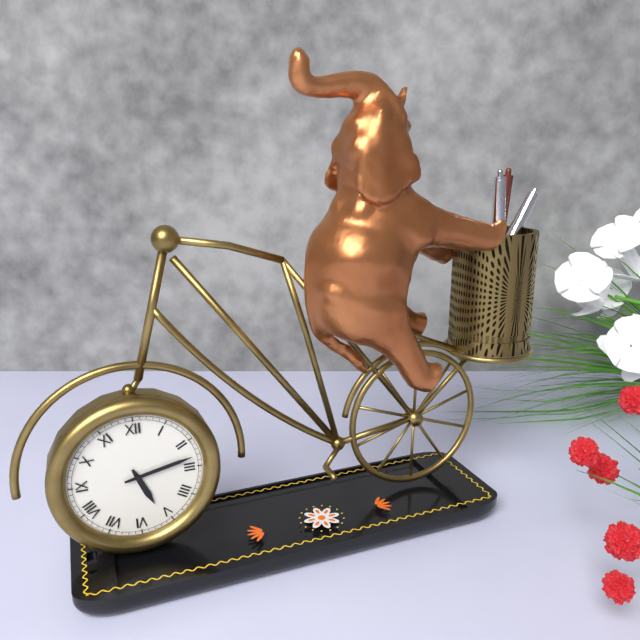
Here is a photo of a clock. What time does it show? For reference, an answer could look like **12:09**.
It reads **5:13**
